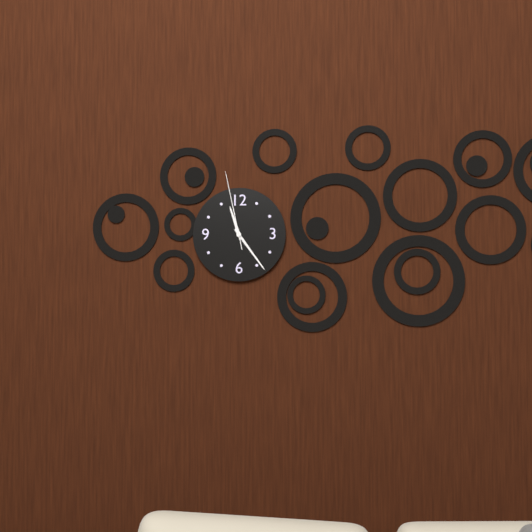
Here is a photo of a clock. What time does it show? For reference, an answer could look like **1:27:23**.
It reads **11:24:58**
